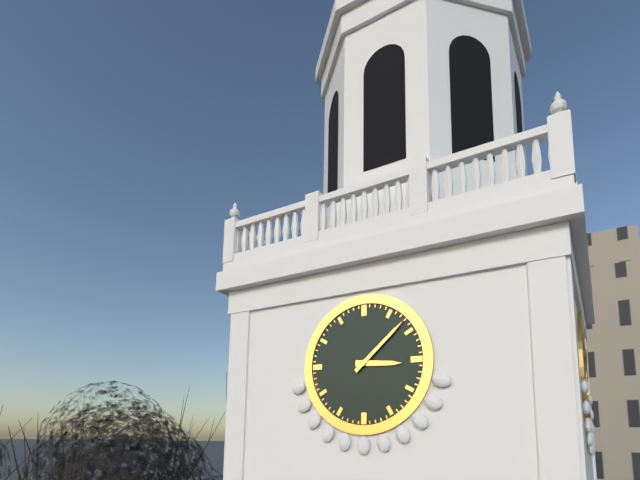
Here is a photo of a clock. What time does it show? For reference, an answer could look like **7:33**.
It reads **3:08**
